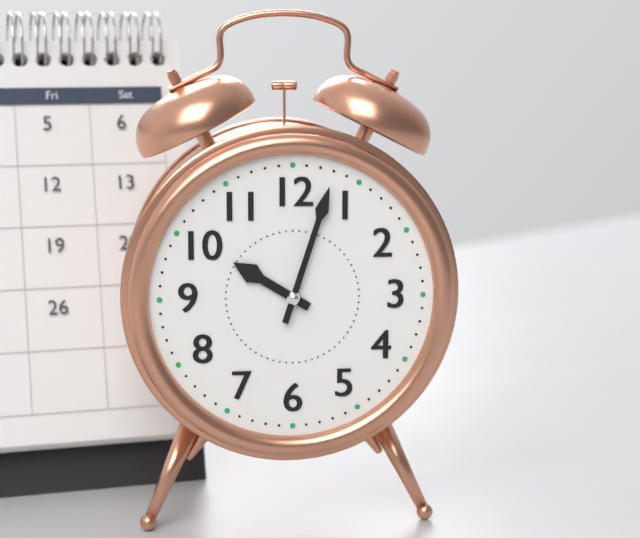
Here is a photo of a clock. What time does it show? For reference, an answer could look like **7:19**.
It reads **10:03**
